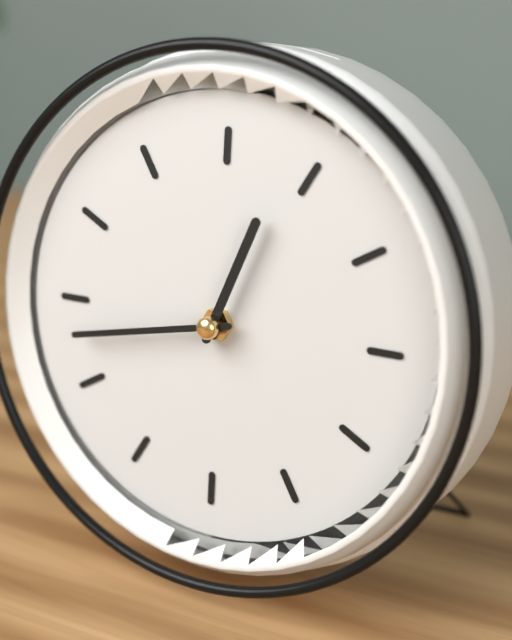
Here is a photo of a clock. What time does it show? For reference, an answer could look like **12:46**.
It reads **12:43**
